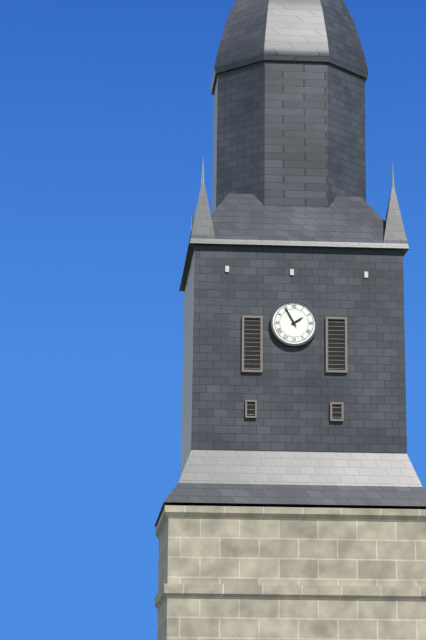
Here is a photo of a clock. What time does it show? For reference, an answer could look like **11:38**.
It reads **1:55**
